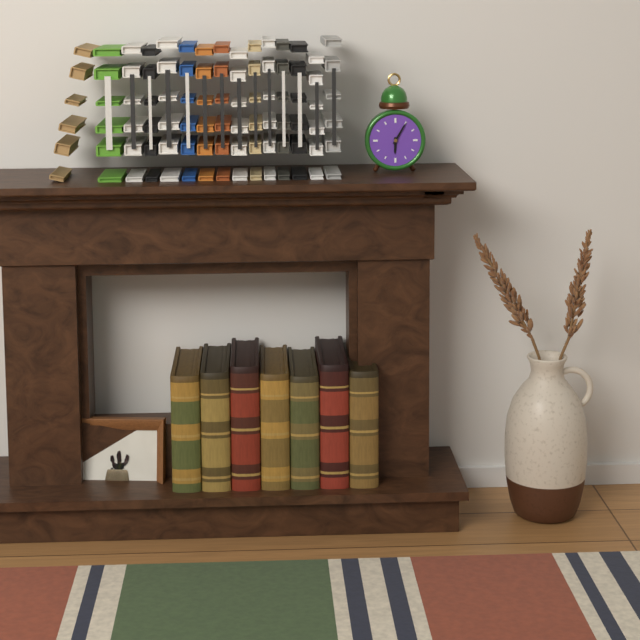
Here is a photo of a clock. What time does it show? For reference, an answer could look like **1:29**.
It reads **6:05**
